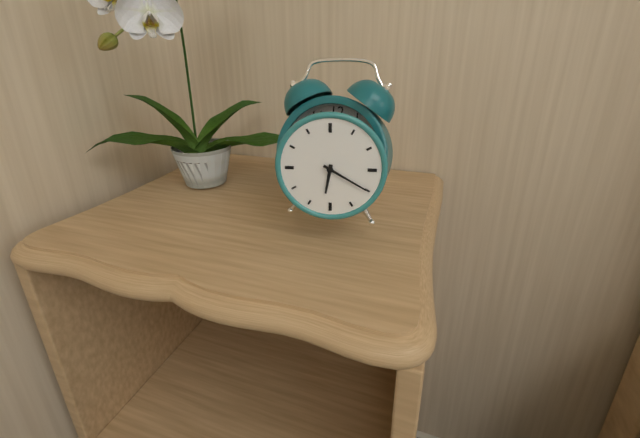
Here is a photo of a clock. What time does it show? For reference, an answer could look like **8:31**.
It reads **6:20**
